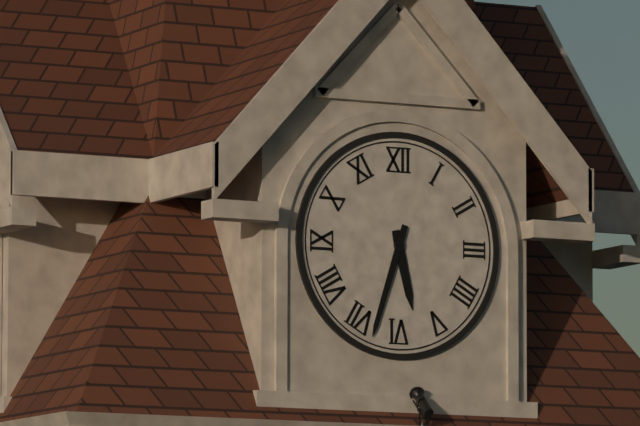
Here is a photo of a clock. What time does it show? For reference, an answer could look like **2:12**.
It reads **5:33**
